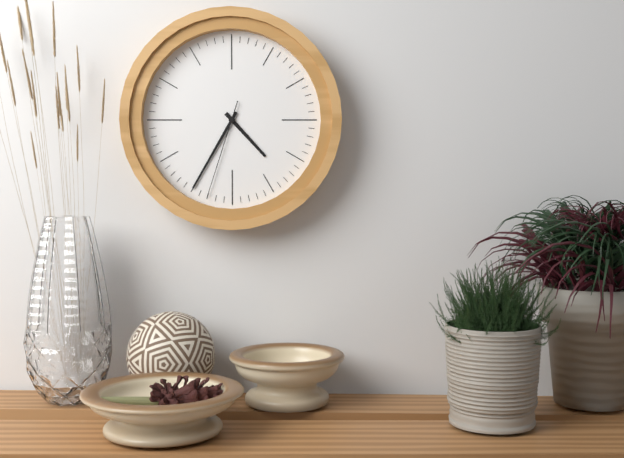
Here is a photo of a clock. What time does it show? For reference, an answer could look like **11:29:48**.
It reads **4:35:33**
